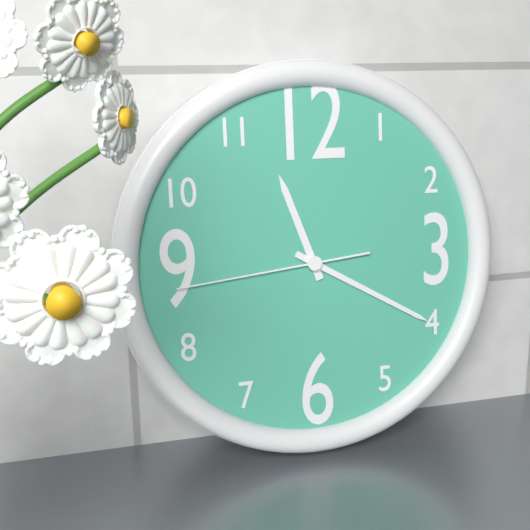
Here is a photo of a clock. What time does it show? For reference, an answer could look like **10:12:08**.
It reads **11:20:44**
